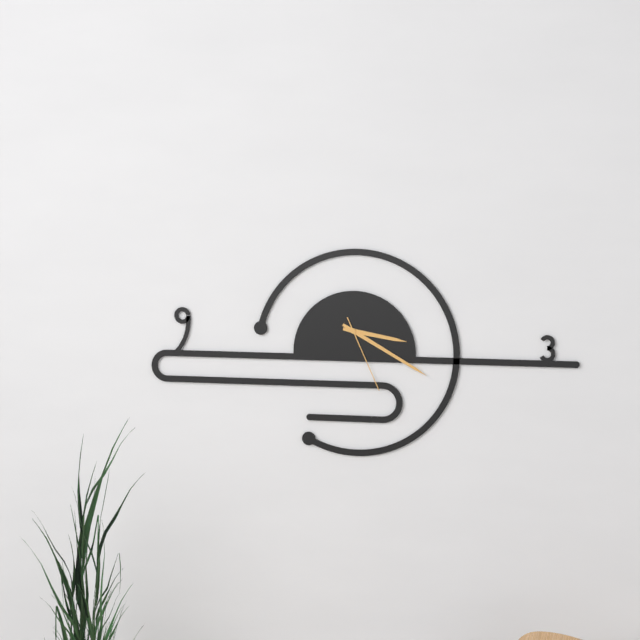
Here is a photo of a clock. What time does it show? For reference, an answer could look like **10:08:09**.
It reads **3:20:26**
